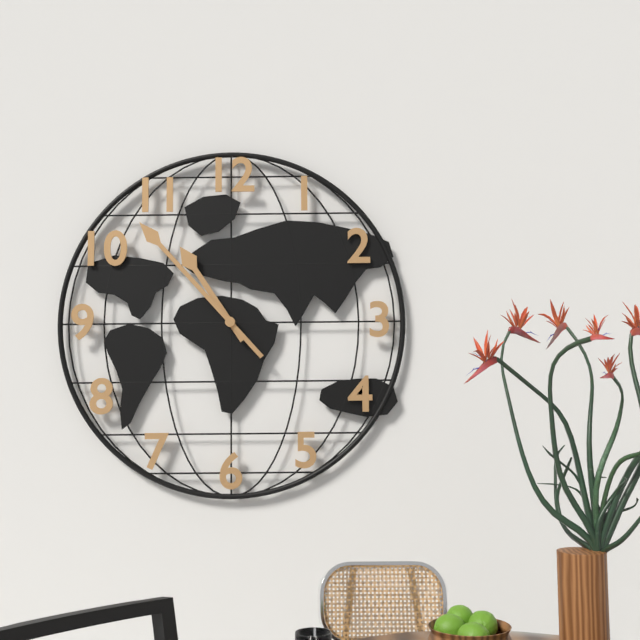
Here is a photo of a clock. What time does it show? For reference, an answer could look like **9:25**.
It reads **10:53**
